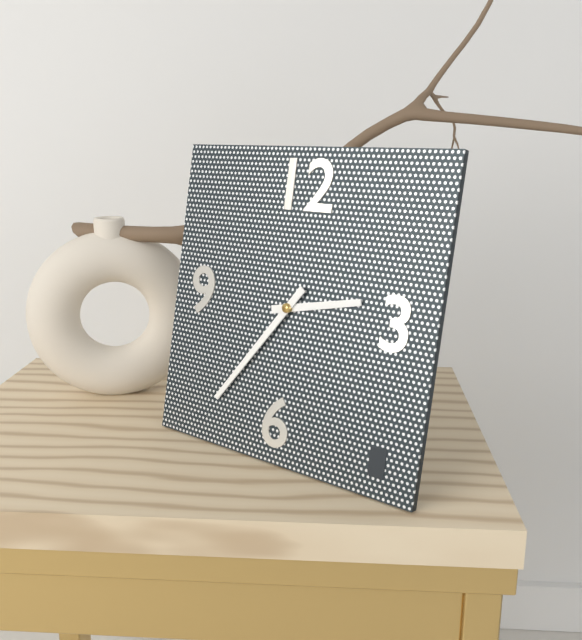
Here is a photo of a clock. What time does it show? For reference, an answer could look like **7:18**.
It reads **2:36**
